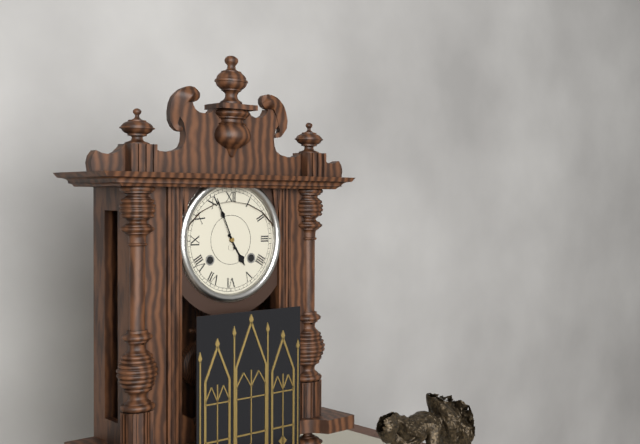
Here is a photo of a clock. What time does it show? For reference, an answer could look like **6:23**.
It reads **4:56**
